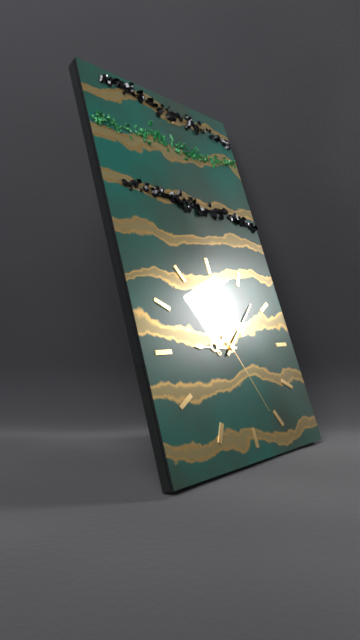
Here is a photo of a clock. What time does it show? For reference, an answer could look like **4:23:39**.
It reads **9:08:26**
